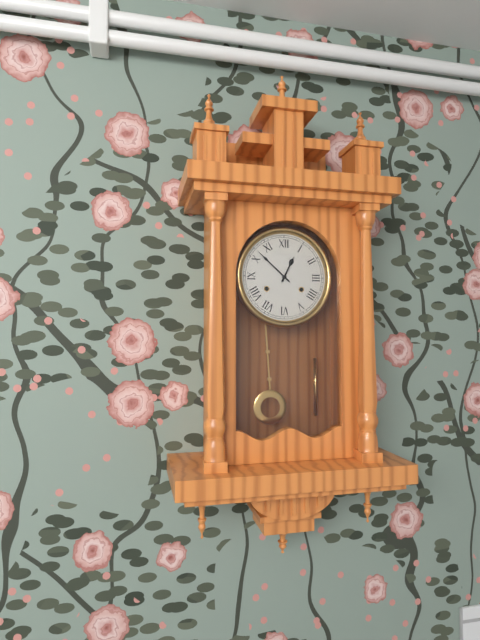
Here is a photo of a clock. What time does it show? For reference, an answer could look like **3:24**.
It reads **12:52**
